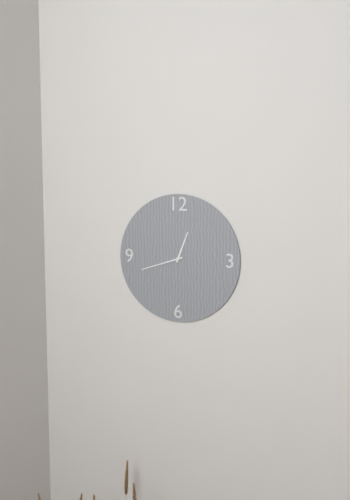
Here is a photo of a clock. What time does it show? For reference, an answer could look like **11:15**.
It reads **12:42**
